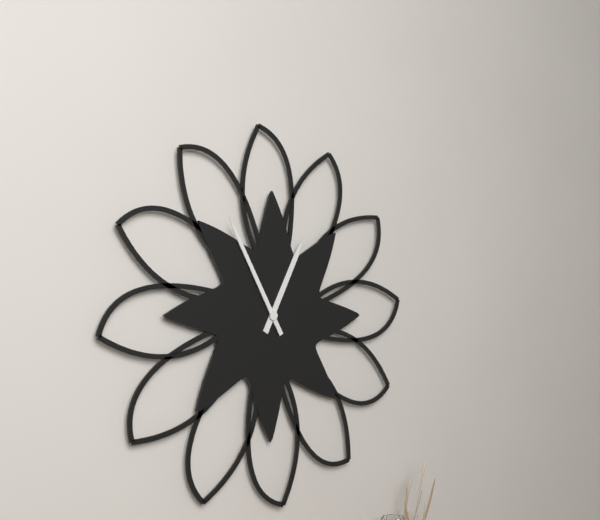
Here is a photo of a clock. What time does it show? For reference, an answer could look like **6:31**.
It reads **12:55**
